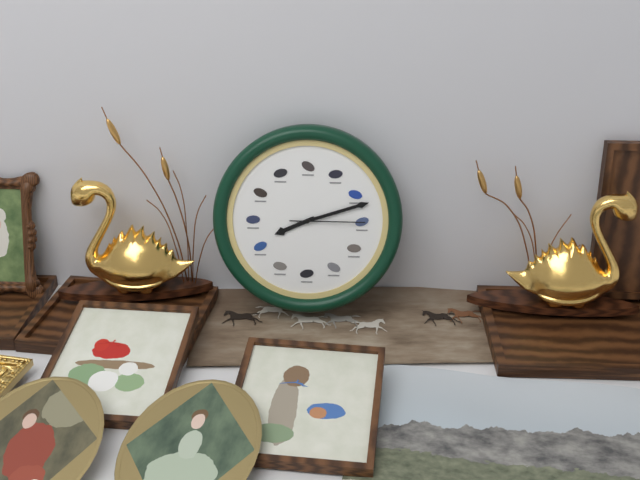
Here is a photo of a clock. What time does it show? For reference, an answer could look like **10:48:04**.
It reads **8:12:15**
